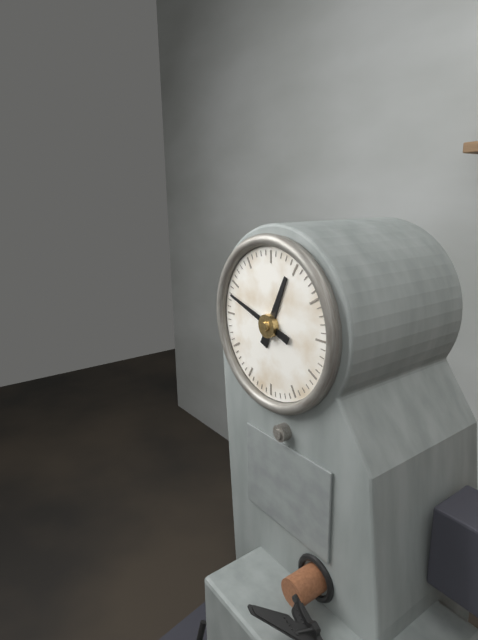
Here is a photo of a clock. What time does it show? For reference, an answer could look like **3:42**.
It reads **12:48**
